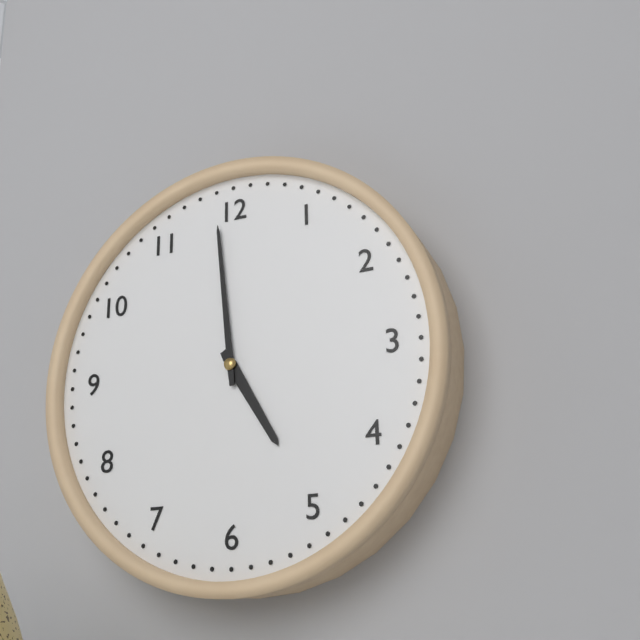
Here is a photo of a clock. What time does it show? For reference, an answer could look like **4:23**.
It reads **4:59**
